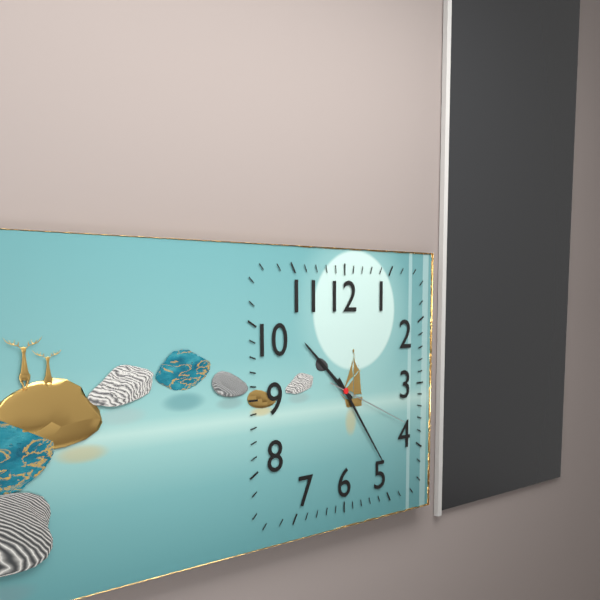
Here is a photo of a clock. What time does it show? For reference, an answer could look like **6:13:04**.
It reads **10:24:19**
